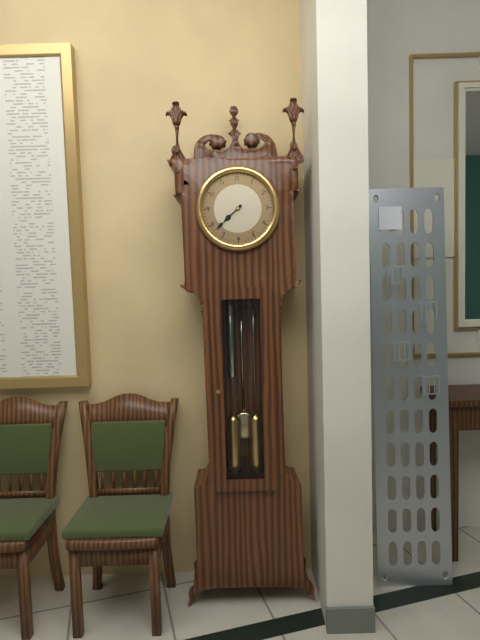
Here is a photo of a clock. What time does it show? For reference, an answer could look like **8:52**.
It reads **7:38**
